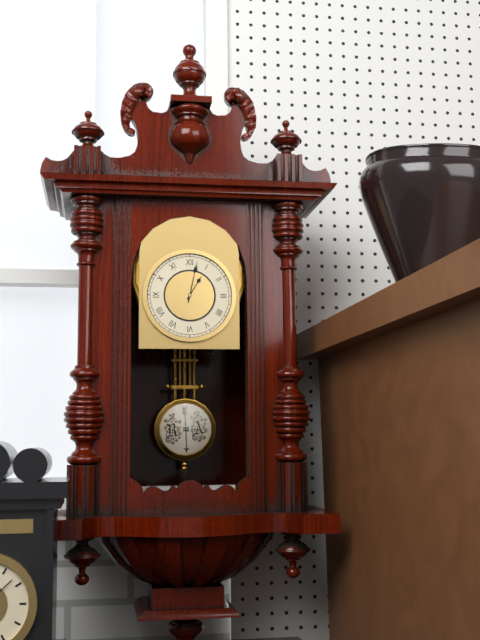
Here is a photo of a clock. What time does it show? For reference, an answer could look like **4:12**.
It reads **1:02**
